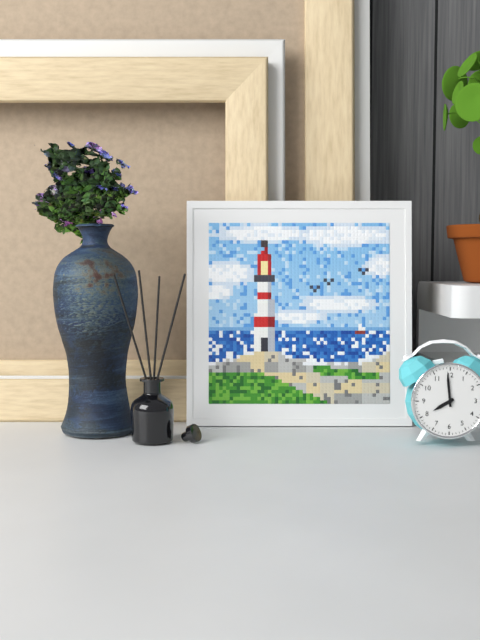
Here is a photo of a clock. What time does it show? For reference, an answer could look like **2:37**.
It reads **7:59**
